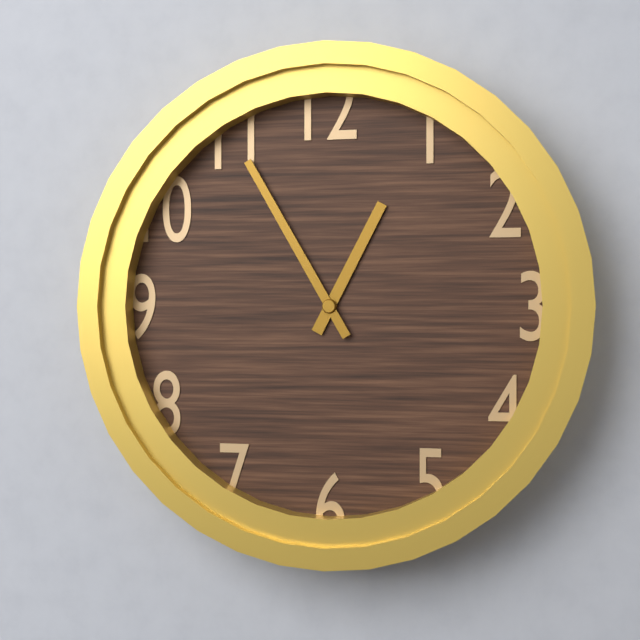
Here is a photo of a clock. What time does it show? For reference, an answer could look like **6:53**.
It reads **12:55**
